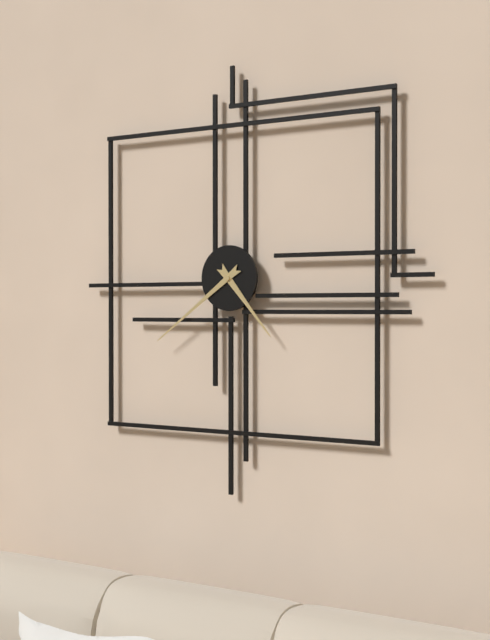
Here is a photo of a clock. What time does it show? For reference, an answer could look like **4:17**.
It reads **4:39**
